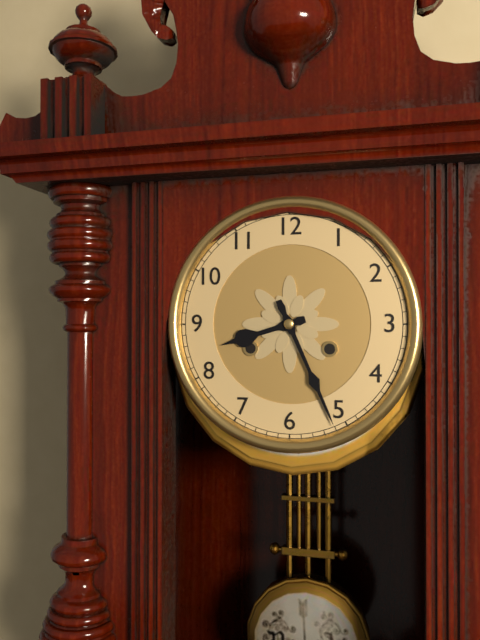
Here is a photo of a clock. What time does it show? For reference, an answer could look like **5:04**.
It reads **8:26**
